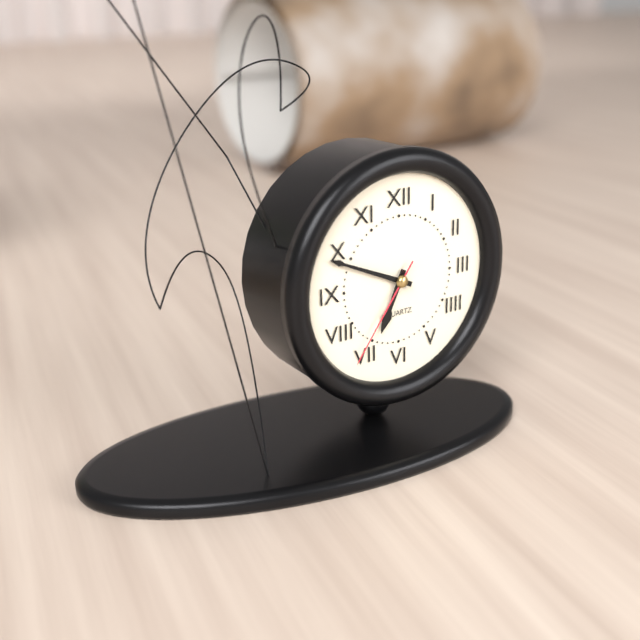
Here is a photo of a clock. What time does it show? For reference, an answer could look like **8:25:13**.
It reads **6:49:36**
